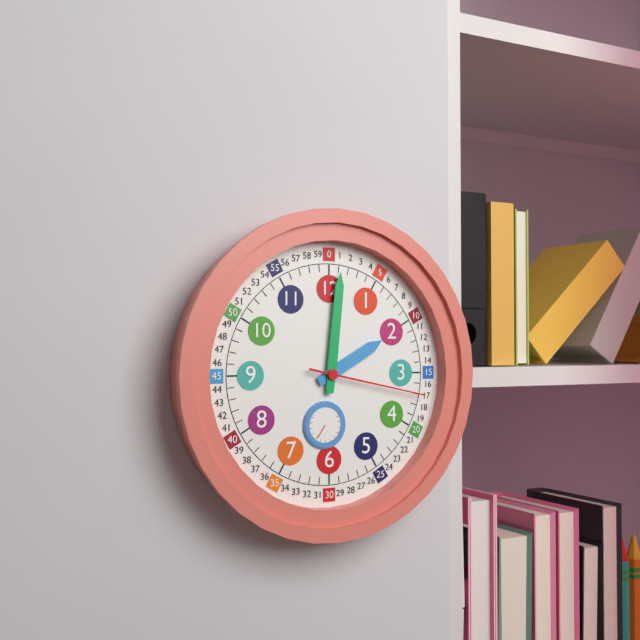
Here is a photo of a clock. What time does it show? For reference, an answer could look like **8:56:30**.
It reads **2:01:17**
